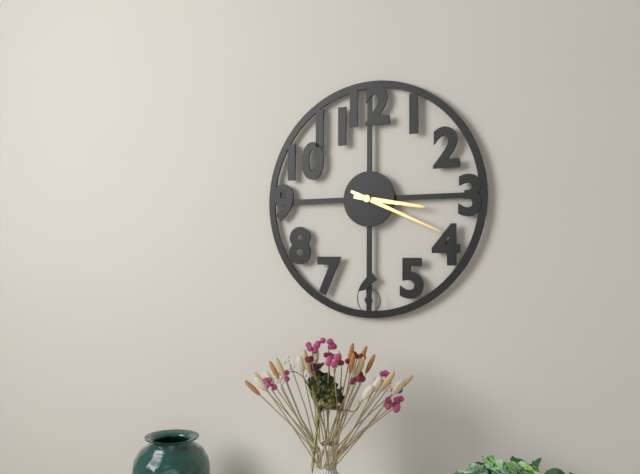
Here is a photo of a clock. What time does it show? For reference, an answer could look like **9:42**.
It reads **3:19**
